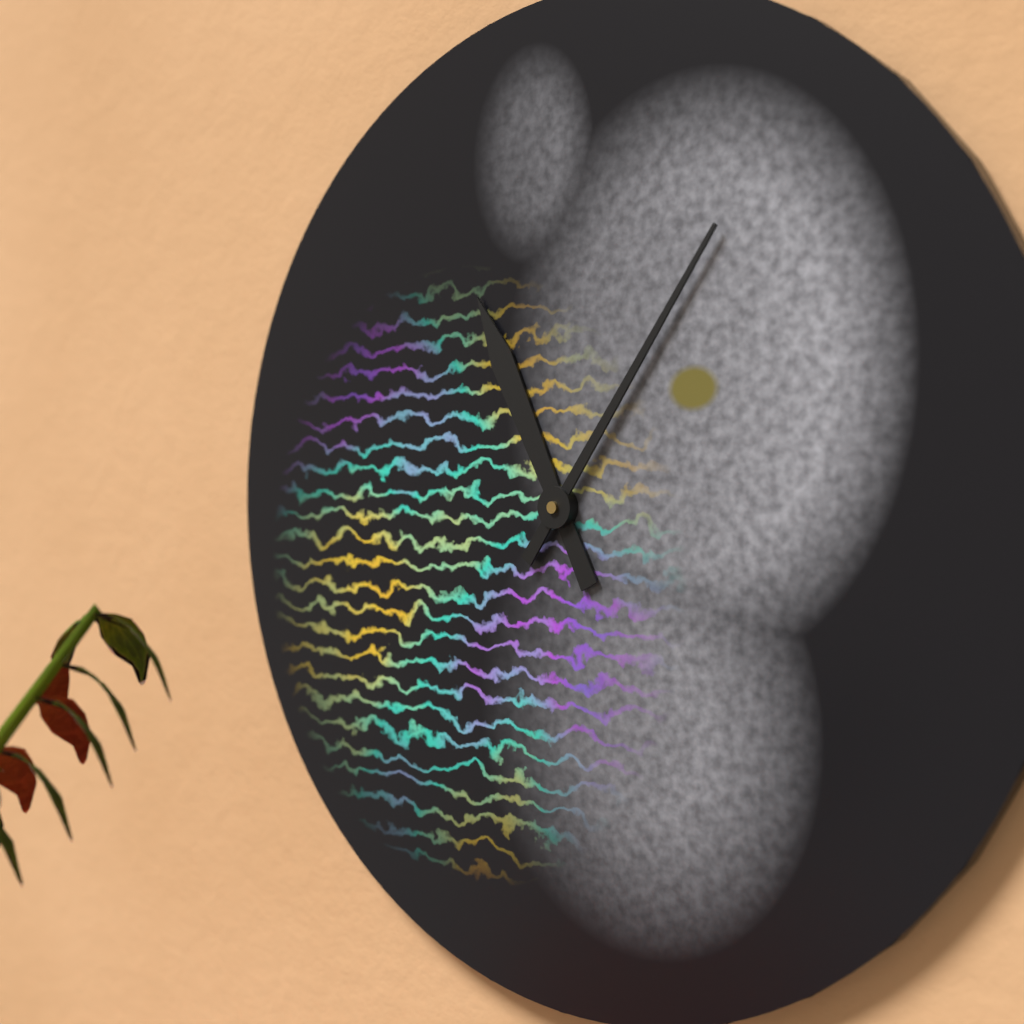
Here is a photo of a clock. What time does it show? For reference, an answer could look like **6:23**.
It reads **11:06**
